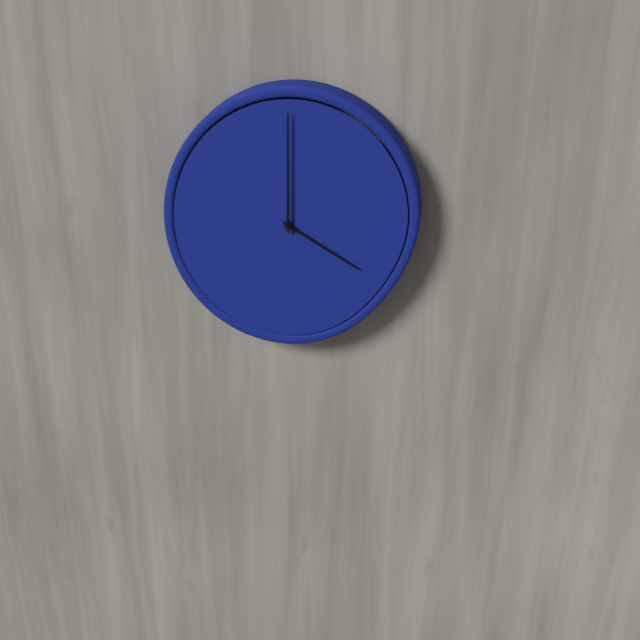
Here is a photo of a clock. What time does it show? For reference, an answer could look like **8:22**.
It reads **4:00**
